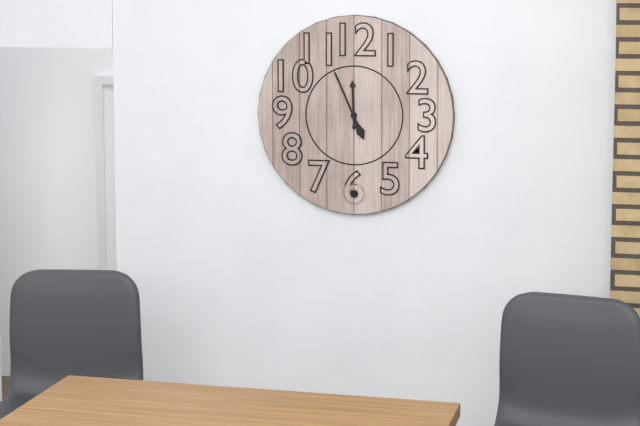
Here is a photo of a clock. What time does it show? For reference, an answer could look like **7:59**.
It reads **11:56**
